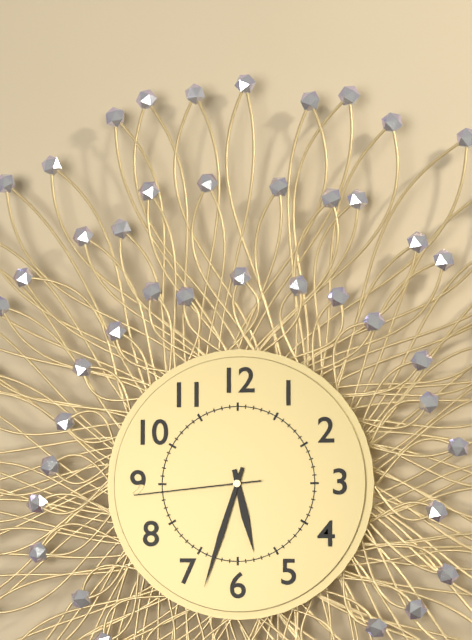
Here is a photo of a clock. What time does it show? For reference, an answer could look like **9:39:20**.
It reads **5:33:44**
